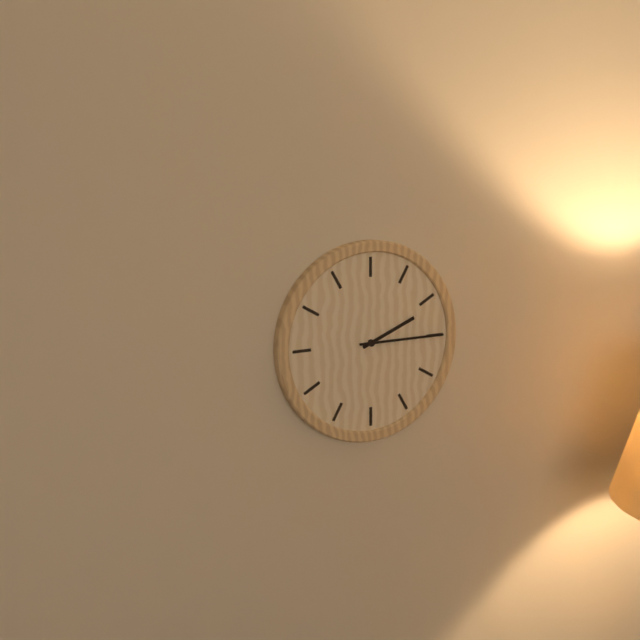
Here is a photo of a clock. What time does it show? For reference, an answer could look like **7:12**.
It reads **2:15**
